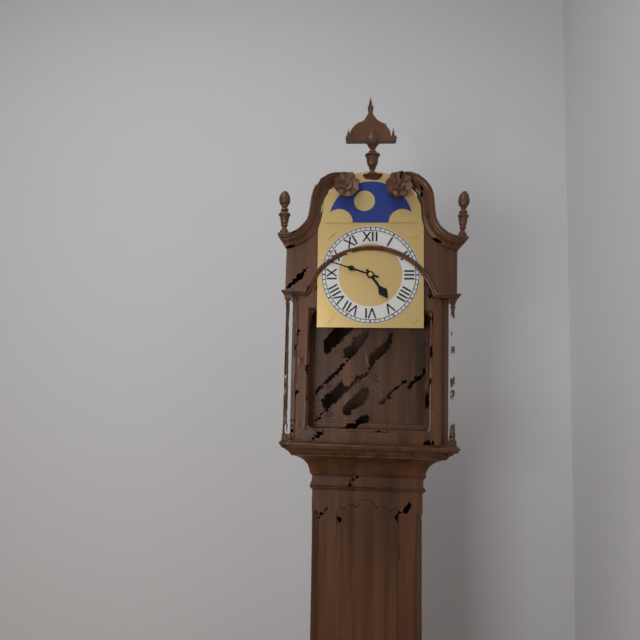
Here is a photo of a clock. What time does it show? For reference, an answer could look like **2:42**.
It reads **4:48**
